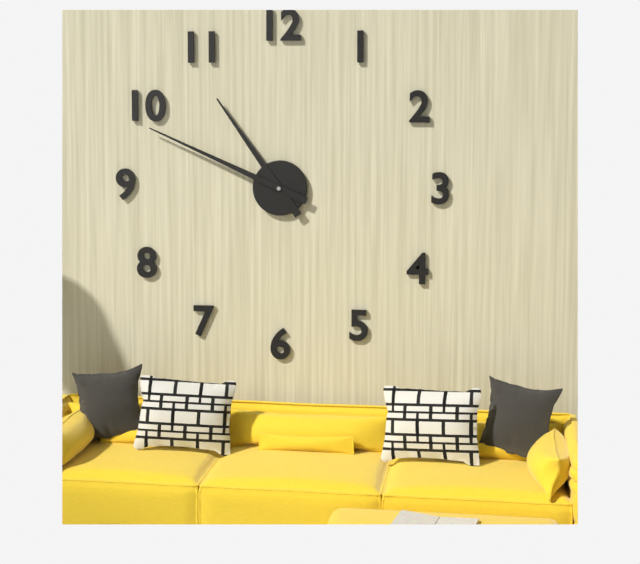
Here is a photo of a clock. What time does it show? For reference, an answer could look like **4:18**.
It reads **10:49**
